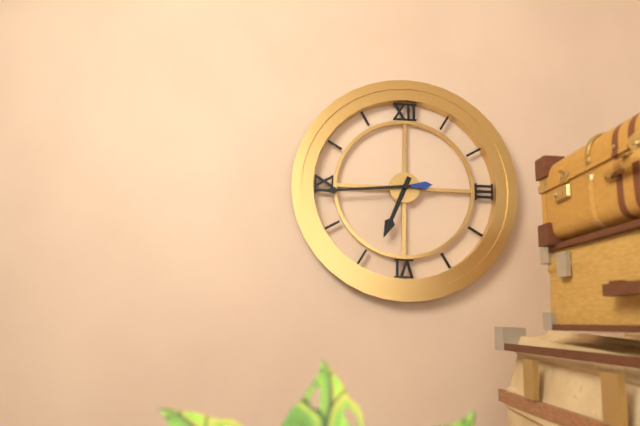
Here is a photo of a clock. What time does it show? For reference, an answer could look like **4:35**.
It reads **6:44**
